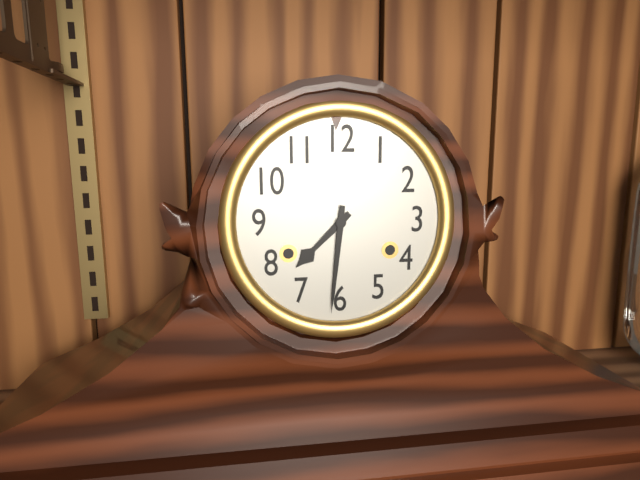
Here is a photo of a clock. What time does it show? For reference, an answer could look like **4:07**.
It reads **7:31**
